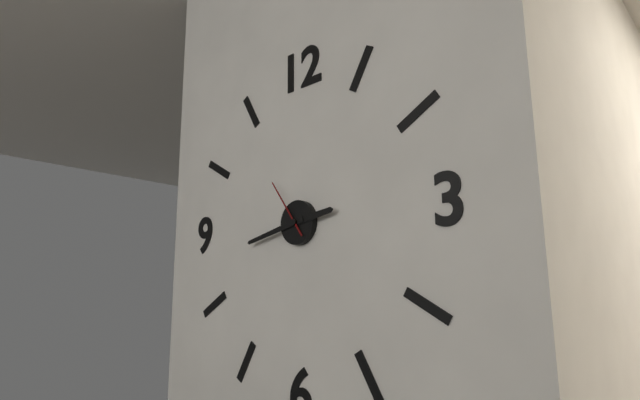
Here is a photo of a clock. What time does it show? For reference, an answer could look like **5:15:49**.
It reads **2:43:54**
